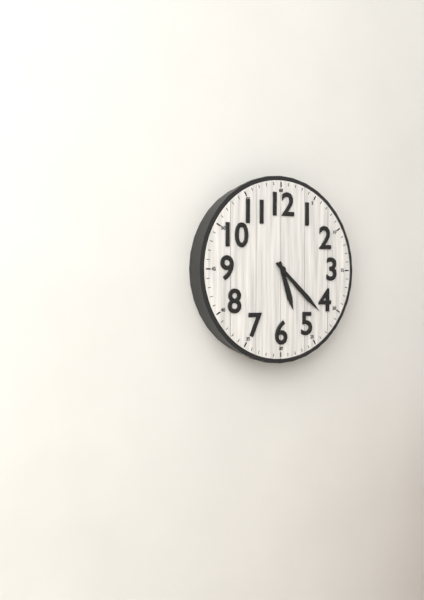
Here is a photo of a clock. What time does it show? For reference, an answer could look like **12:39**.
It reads **5:22**
